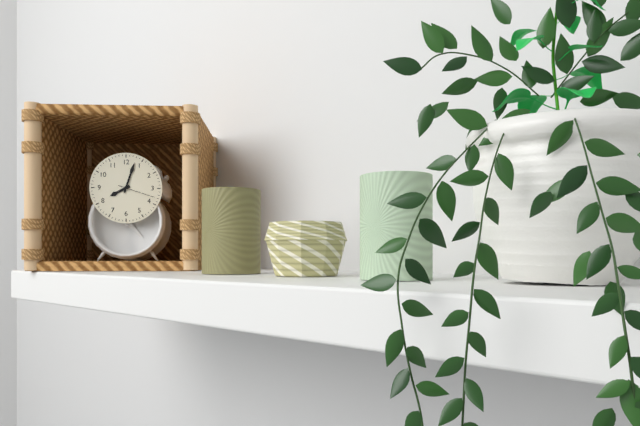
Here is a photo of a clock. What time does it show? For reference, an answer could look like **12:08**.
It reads **8:03**
